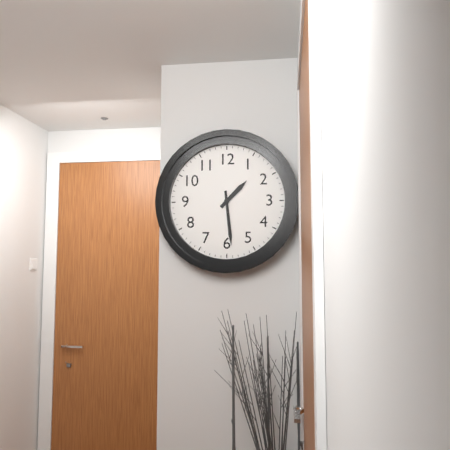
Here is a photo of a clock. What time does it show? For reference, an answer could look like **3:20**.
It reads **1:29**
